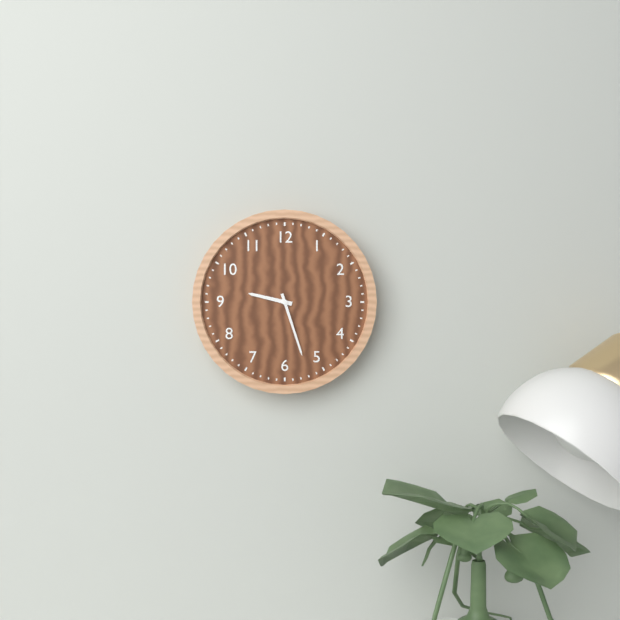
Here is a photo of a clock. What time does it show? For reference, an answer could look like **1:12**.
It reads **9:27**
